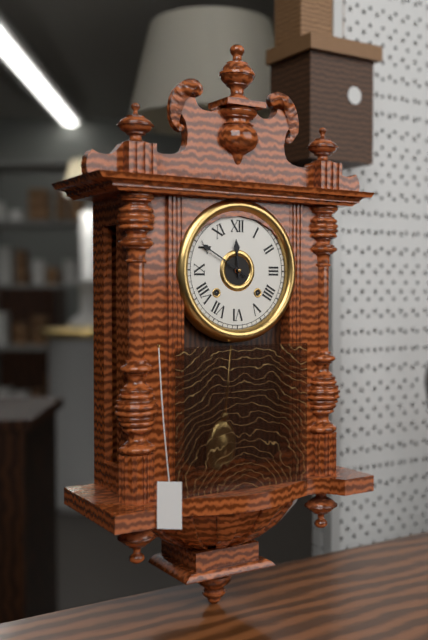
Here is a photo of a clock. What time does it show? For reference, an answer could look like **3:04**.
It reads **11:50**
